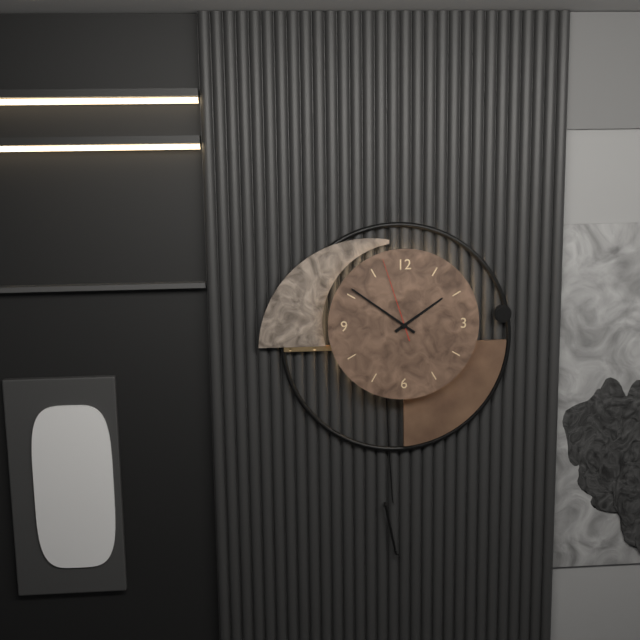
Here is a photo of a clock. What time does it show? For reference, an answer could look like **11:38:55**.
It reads **1:51:57**
